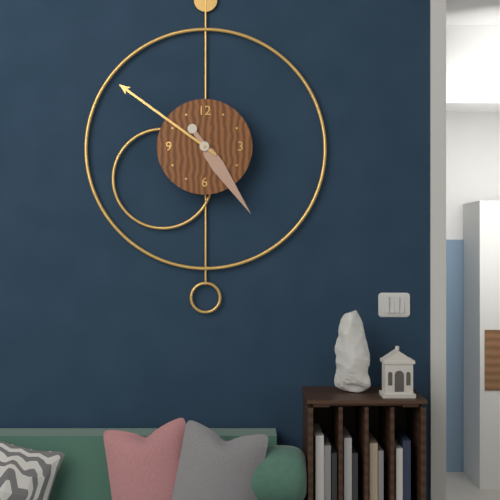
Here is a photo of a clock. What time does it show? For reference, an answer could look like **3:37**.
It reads **4:51**
